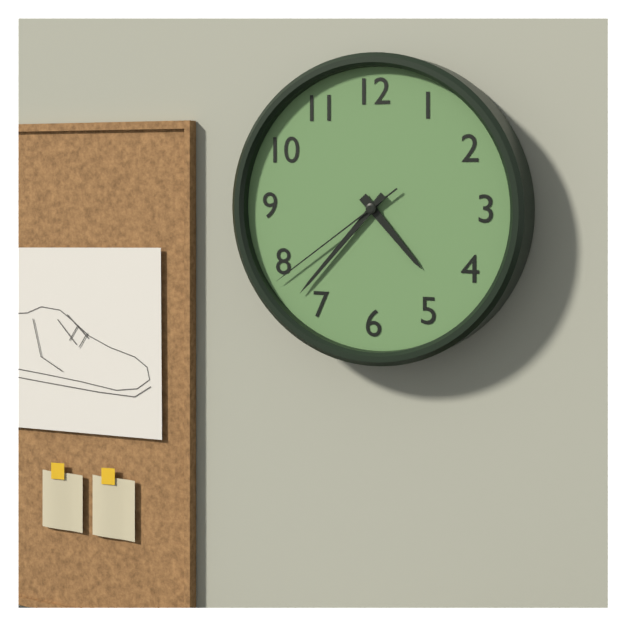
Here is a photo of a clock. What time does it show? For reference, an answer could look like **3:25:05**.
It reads **4:37:39**
